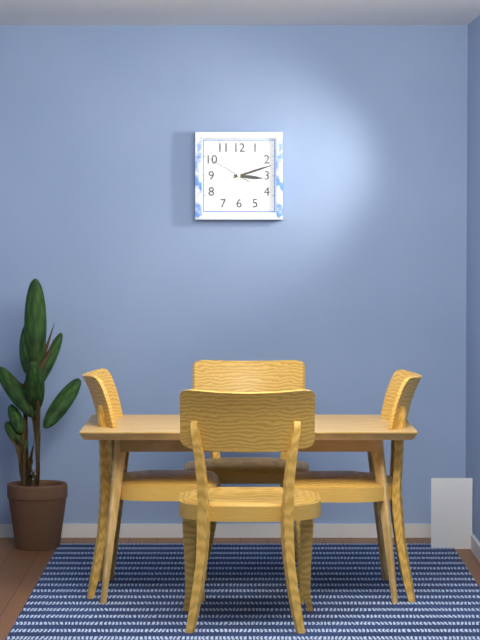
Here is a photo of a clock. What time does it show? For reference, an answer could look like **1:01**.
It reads **3:12**
